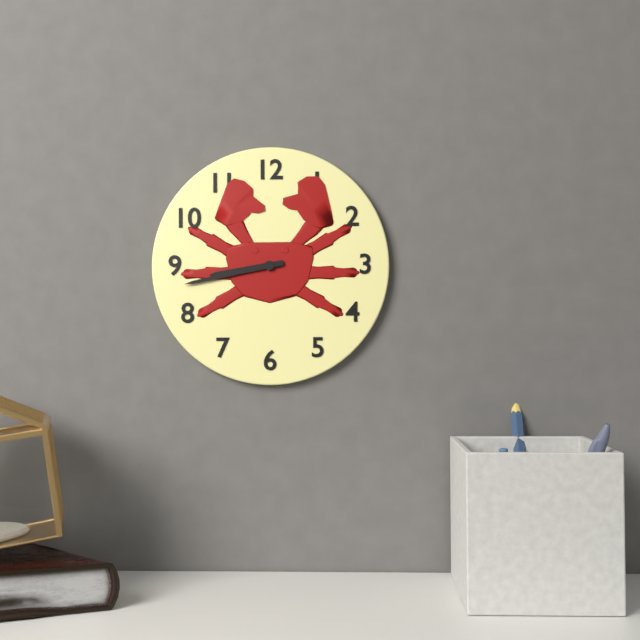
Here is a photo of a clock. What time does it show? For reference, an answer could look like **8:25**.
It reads **8:43**
